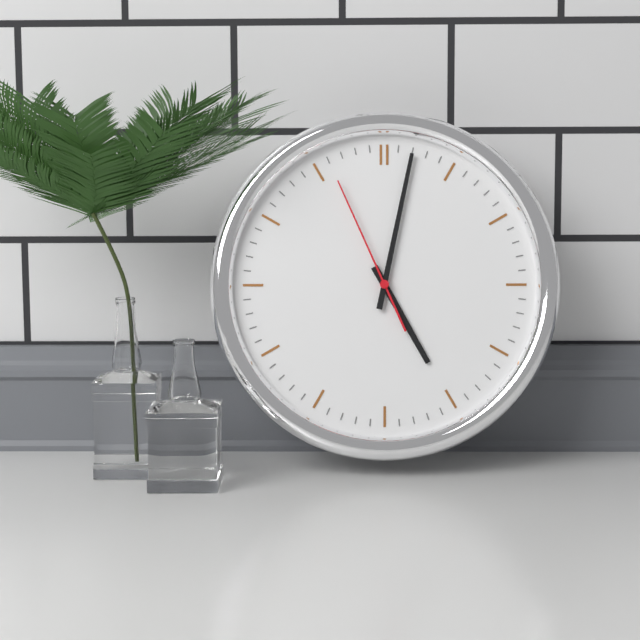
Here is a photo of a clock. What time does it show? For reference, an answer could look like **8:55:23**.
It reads **5:02:56**
